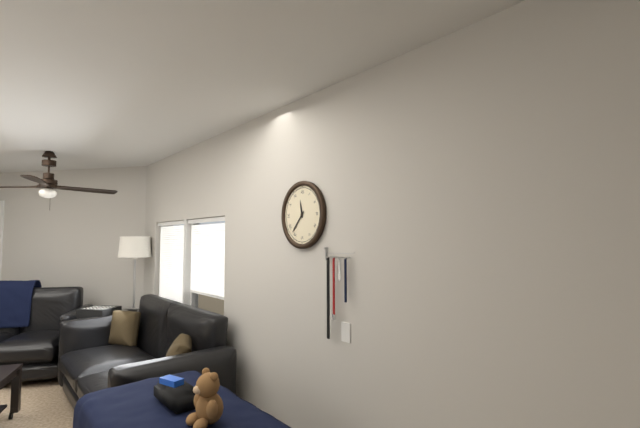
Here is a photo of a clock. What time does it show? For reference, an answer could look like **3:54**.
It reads **11:37**
